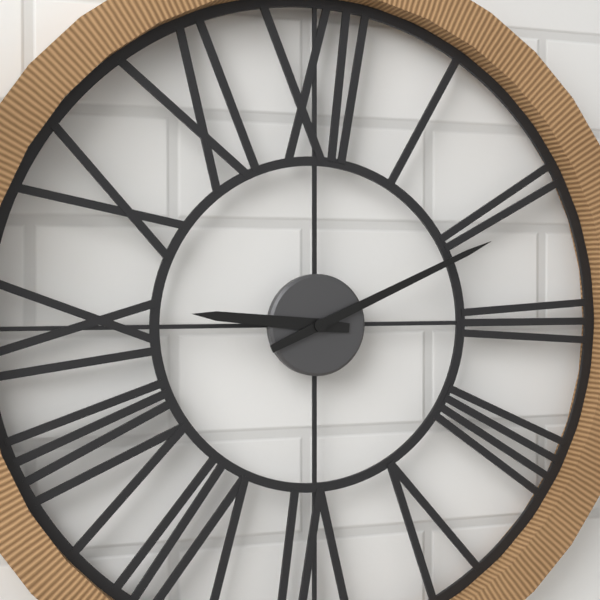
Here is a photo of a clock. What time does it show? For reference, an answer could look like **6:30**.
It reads **9:11**
